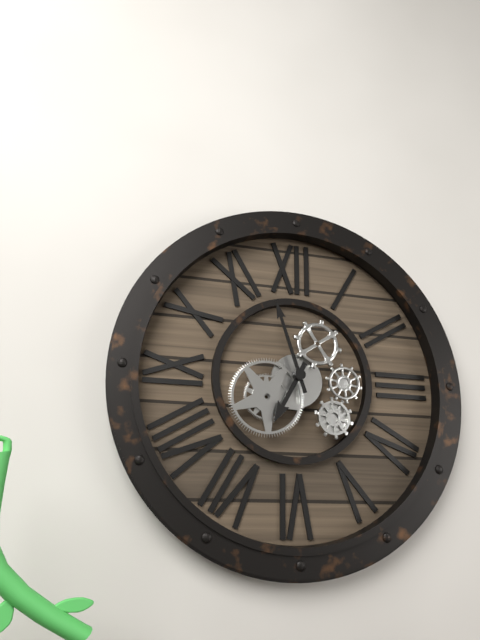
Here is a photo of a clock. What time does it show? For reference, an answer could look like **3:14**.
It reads **6:57**
